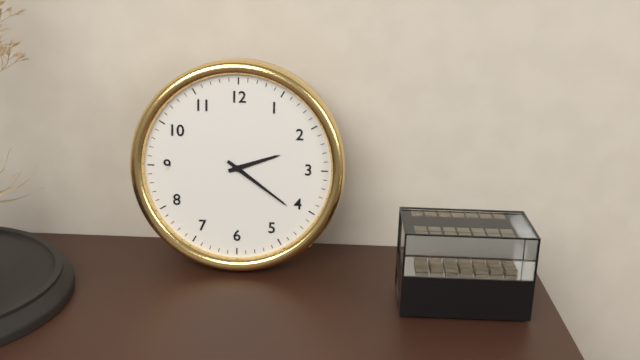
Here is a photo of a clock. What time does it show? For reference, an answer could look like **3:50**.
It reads **2:21**
